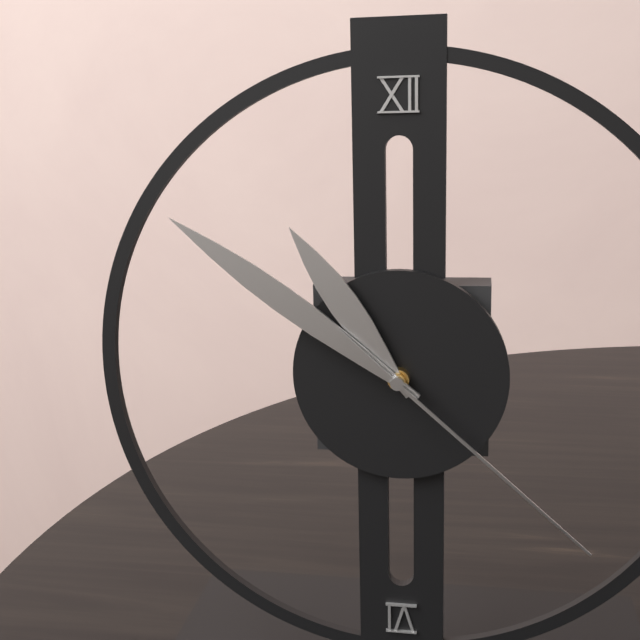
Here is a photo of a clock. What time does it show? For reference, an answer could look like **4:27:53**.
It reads **10:51:22**
